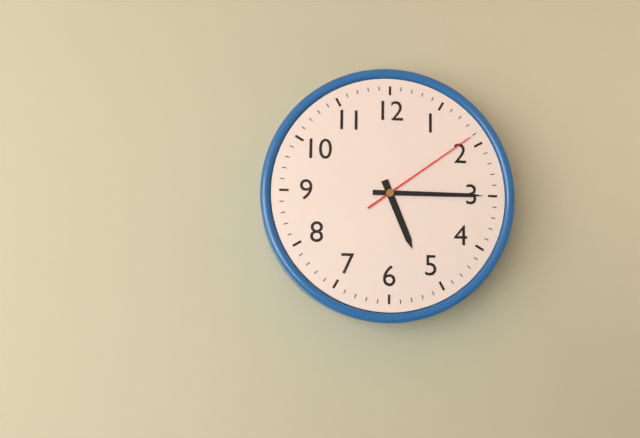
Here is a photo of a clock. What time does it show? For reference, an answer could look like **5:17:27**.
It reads **5:15:09**
